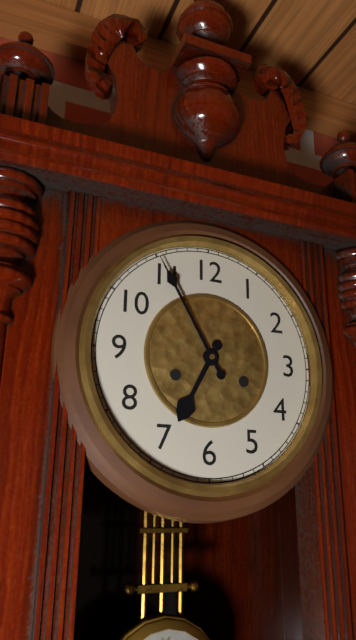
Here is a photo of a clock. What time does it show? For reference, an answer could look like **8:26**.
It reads **6:55**
